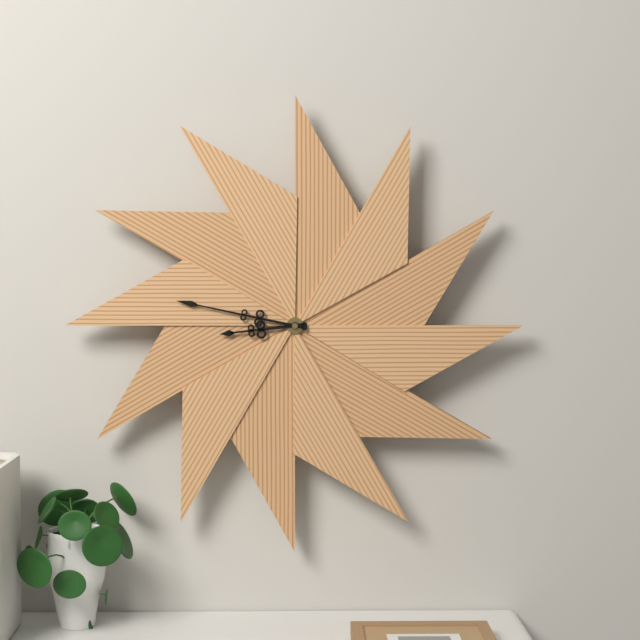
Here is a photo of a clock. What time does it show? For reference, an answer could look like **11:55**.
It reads **8:47**
